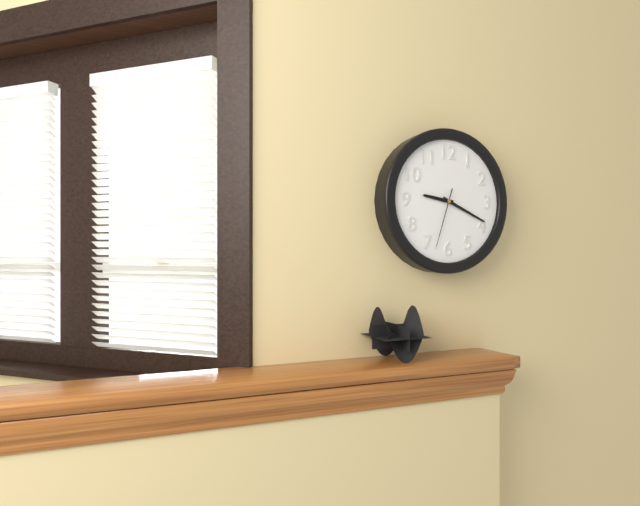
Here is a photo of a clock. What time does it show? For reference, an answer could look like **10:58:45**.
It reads **9:19:33**
